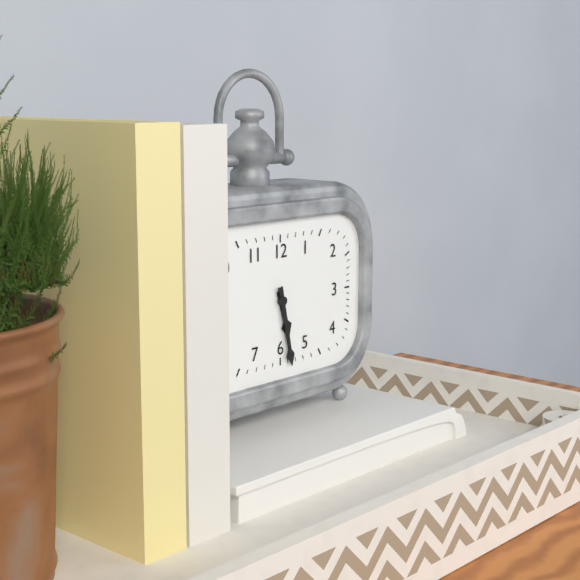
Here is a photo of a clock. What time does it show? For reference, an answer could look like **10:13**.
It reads **5:28**
